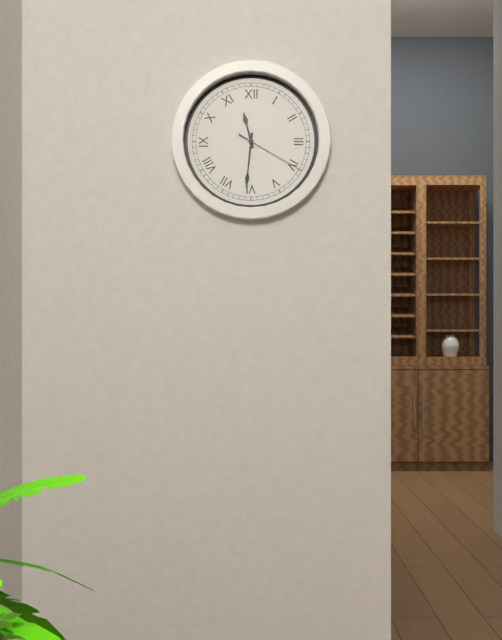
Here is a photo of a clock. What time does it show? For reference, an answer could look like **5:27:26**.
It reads **11:31:20**
